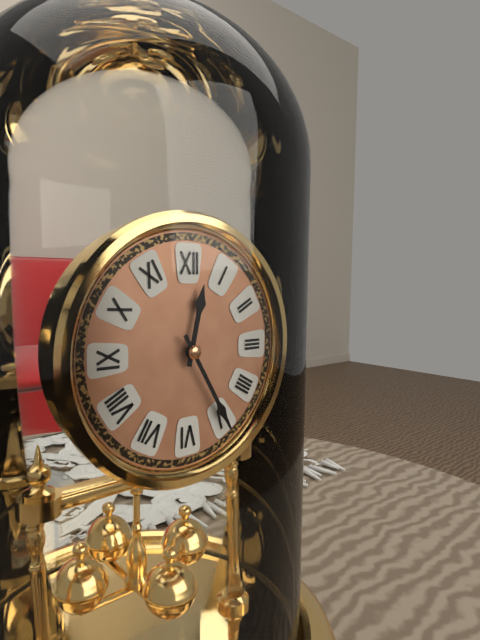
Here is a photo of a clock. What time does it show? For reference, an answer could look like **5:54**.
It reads **12:25**
